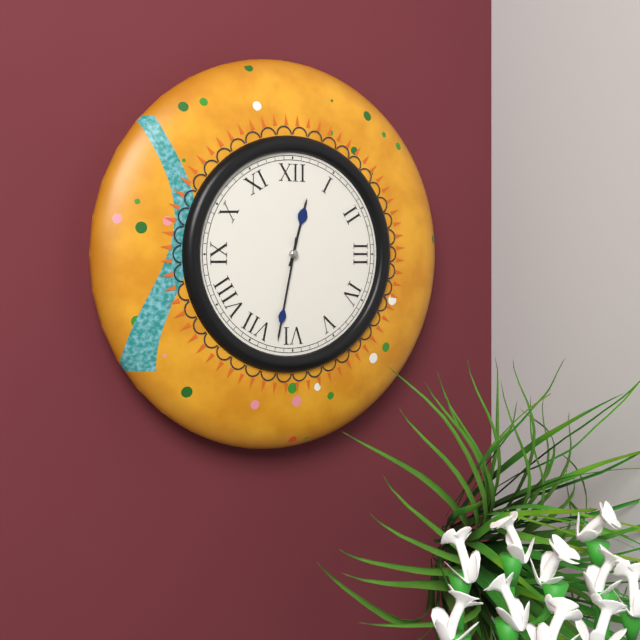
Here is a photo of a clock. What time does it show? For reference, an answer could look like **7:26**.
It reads **12:32**
